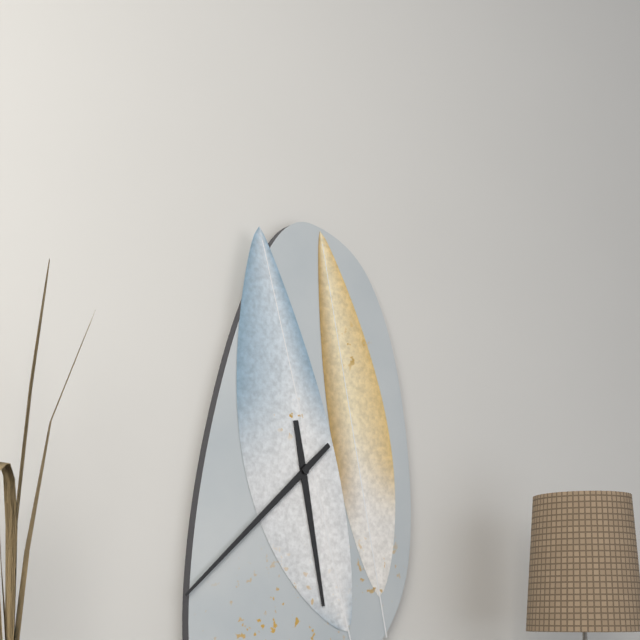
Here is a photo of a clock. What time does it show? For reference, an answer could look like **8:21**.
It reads **5:38**
